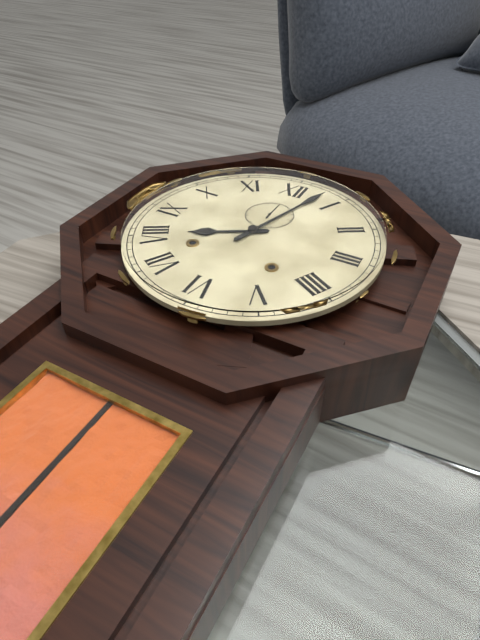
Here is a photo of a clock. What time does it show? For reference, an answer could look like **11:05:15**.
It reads **8:03:00**
